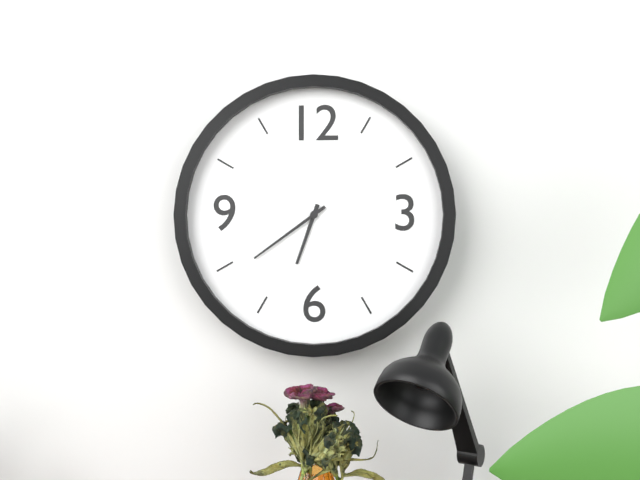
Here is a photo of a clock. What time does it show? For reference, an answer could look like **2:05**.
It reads **6:39**
